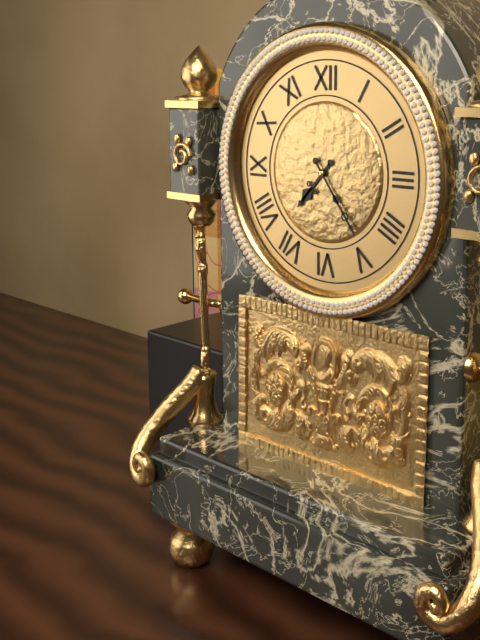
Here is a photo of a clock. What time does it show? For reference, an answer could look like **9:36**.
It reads **7:24**
